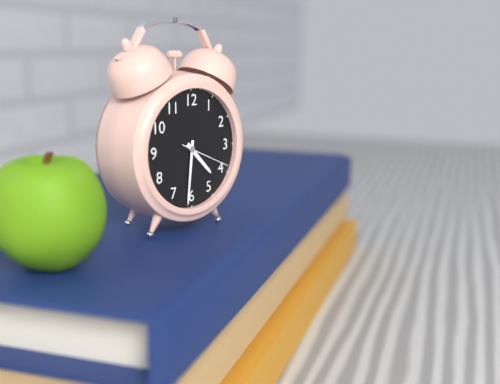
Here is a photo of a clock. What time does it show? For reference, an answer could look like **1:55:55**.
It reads **4:31:19**
